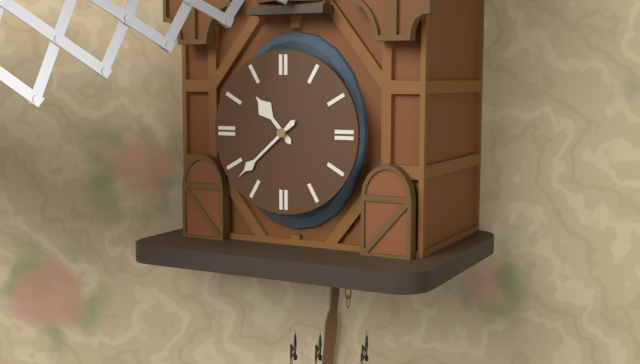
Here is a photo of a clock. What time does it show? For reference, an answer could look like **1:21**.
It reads **10:38**
